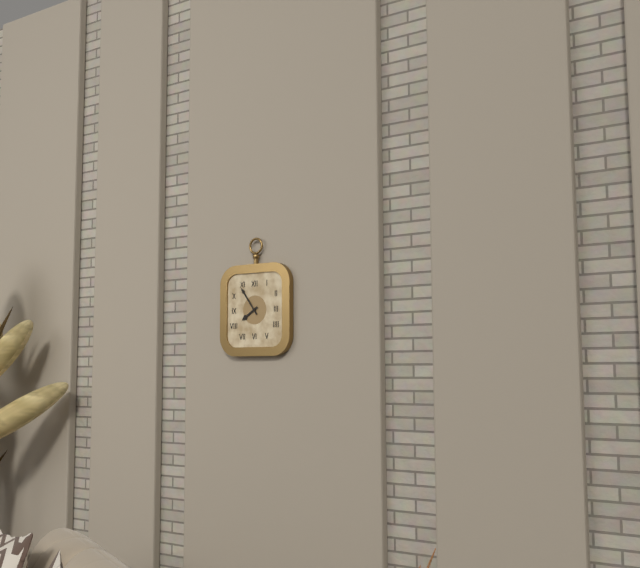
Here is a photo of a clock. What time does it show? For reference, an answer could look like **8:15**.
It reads **7:54**
